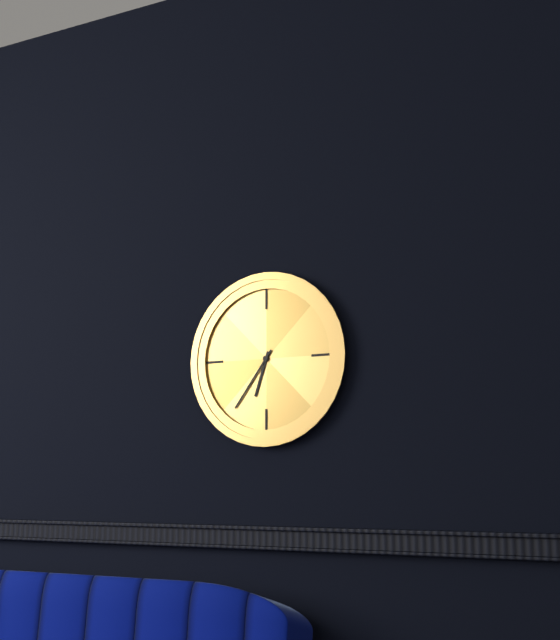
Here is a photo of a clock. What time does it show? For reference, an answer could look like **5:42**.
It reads **6:36**
